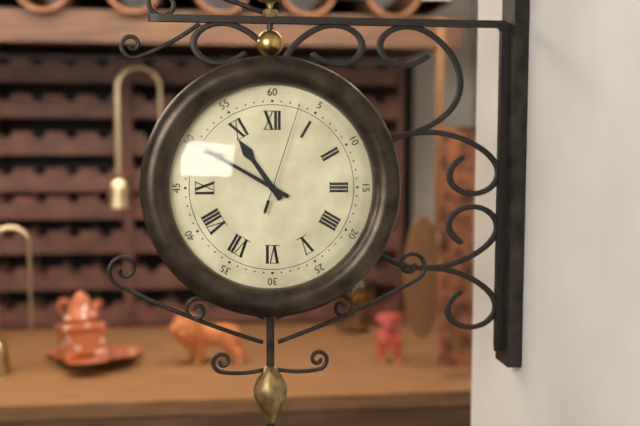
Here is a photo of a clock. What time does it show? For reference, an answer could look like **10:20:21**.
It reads **10:50:03**
